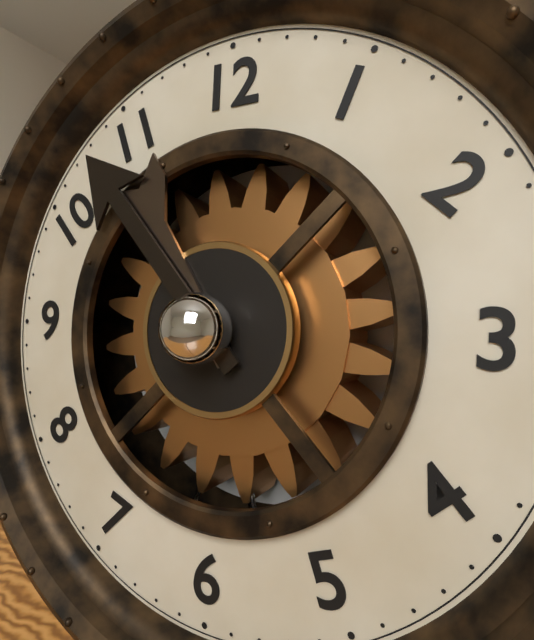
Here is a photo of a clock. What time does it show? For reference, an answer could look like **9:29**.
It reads **10:53**
